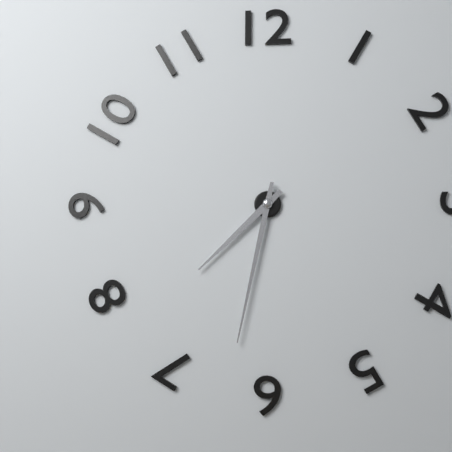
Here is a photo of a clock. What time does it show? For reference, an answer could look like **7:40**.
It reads **7:32**
